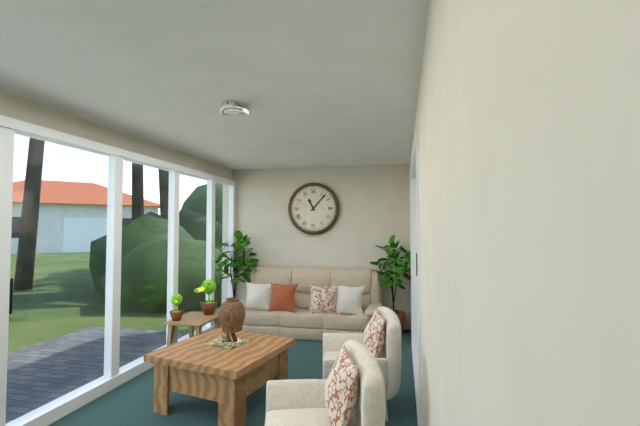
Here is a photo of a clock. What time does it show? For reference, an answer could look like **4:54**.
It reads **11:07**
